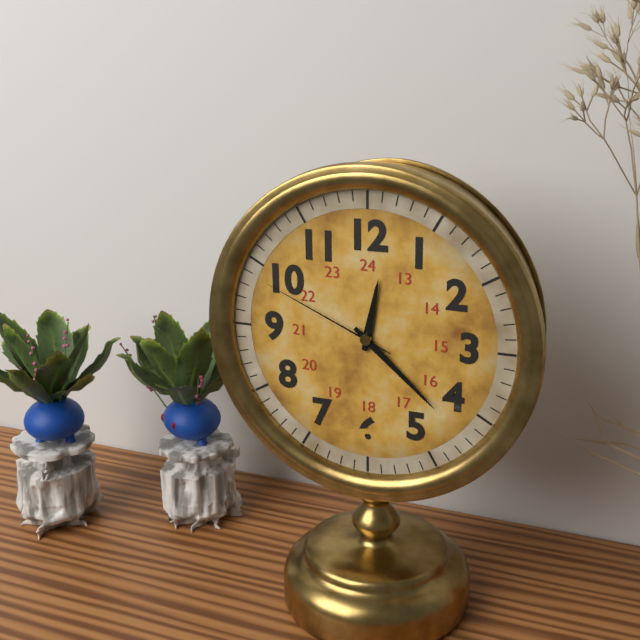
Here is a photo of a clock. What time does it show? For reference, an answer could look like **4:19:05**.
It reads **12:22:49**
